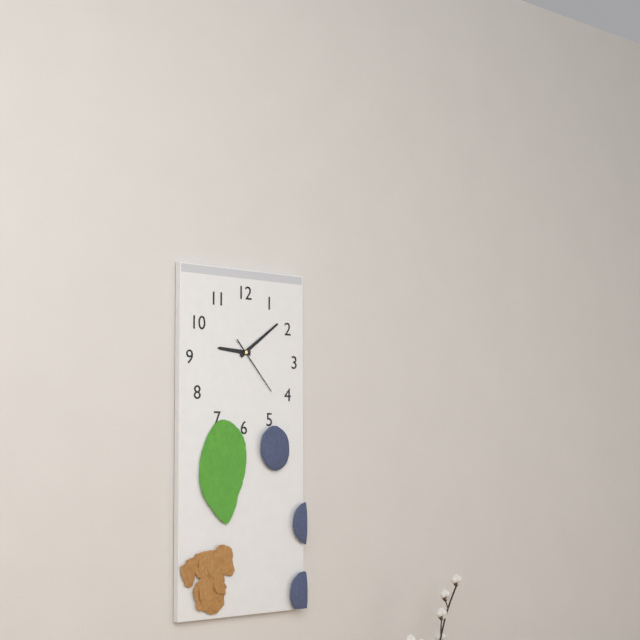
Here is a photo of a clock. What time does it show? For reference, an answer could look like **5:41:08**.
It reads **9:09:23**
